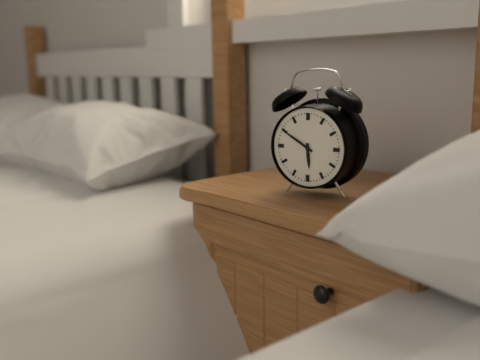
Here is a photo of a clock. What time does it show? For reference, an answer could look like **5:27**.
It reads **5:50**
